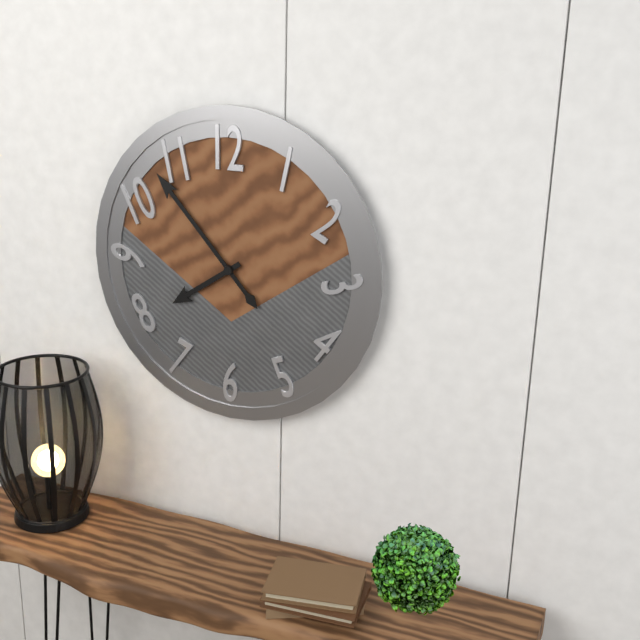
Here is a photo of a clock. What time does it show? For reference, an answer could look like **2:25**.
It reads **7:53**
